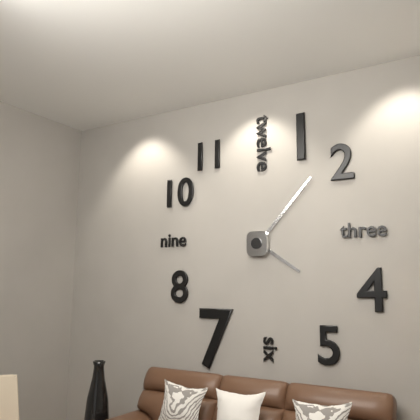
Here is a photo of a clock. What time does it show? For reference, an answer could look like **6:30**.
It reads **4:07**
